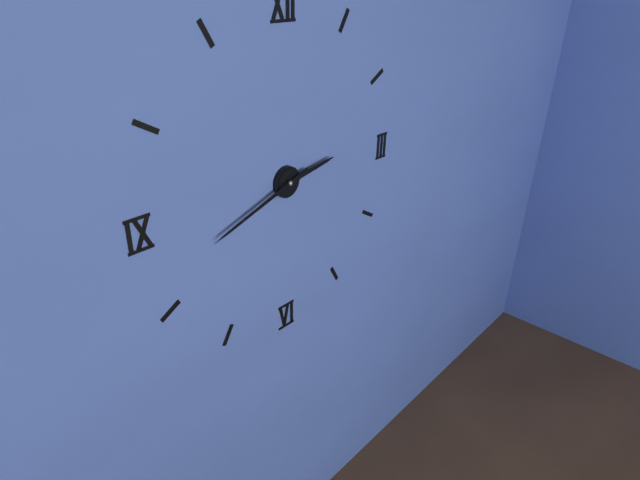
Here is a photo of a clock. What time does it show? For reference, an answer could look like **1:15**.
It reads **2:42**
